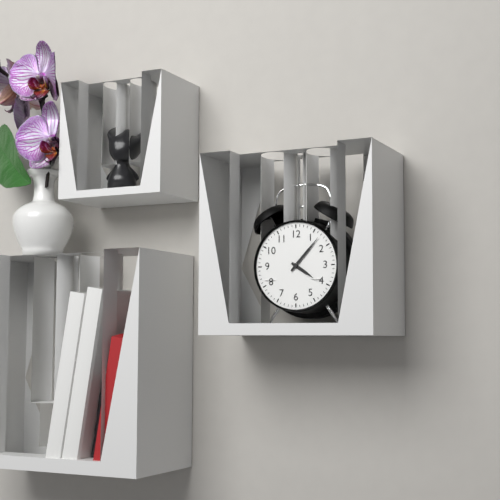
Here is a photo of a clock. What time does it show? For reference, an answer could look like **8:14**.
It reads **4:07**
